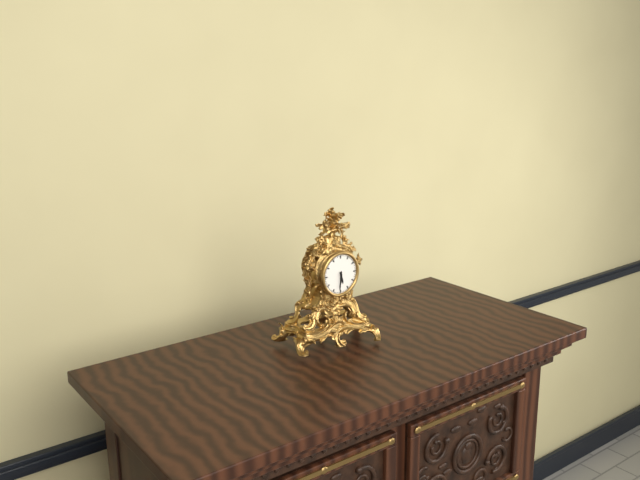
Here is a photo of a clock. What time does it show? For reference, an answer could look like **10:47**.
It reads **5:31**
